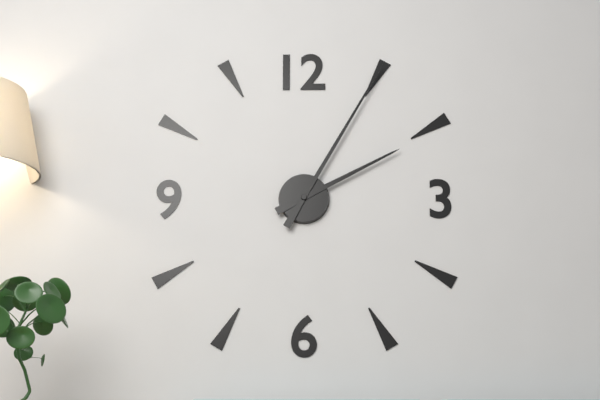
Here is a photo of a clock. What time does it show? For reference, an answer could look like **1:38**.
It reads **2:05**
